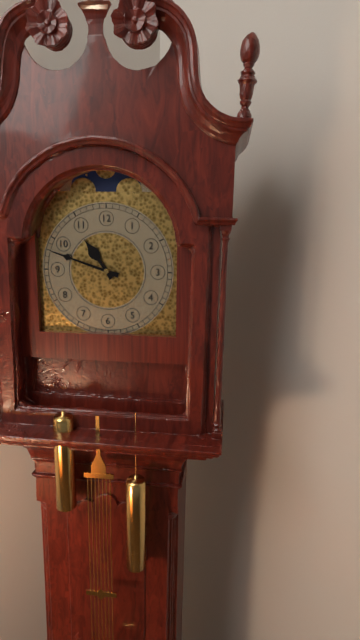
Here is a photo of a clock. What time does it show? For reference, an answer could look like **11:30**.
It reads **10:48**
